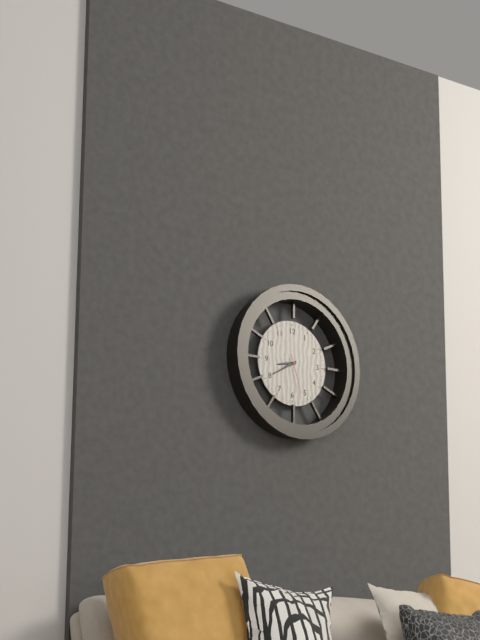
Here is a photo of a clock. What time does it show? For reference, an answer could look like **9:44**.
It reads **8:40**
